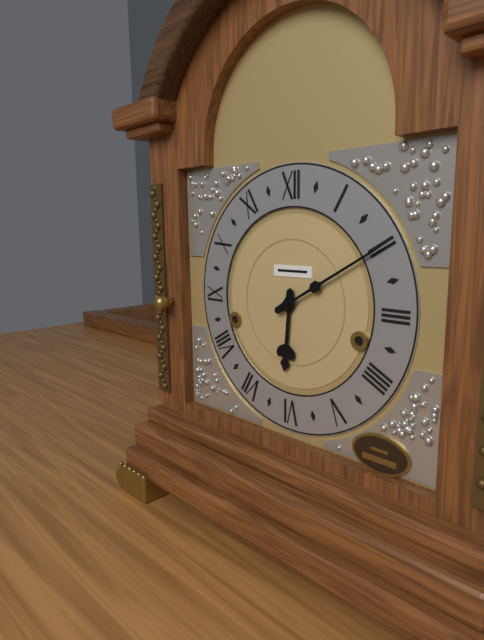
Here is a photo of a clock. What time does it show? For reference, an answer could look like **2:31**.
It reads **6:10**
